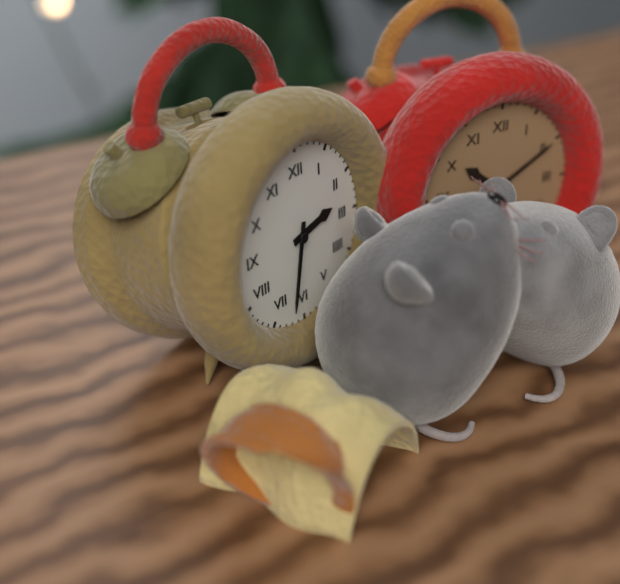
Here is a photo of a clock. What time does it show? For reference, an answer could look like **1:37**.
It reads **2:32**
